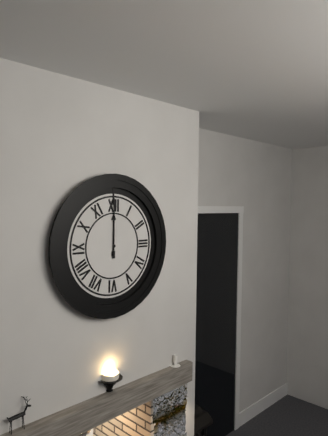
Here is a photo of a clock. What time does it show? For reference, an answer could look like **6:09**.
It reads **12:00**
